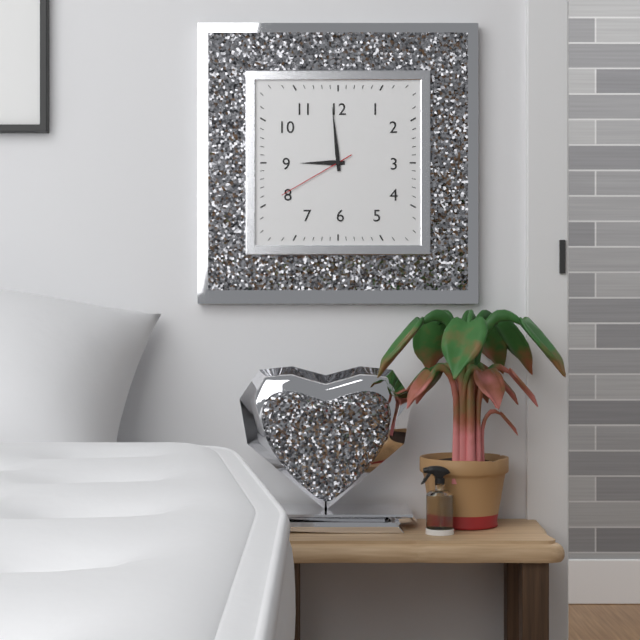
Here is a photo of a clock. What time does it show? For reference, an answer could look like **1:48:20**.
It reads **8:59:40**
